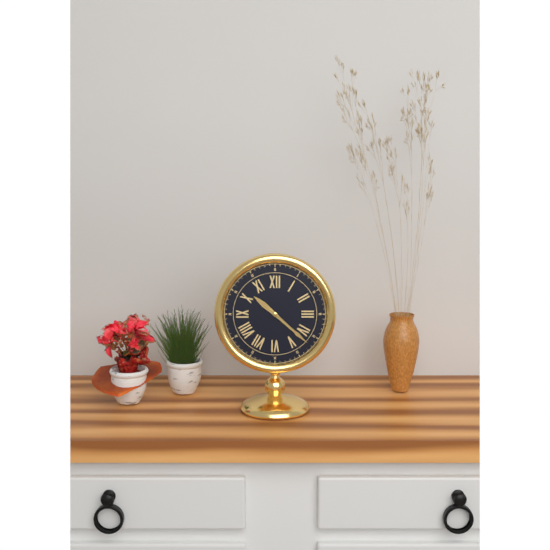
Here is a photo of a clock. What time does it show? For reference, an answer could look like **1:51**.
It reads **10:22**
